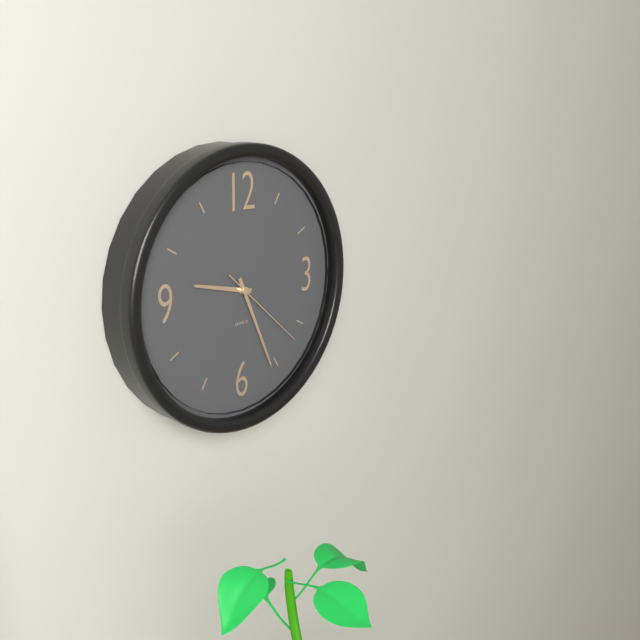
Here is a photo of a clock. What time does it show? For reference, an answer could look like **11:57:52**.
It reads **9:26:22**
